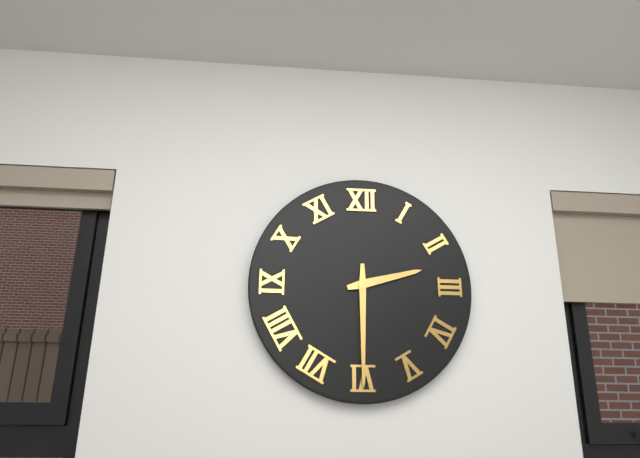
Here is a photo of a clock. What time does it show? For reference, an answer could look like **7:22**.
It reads **2:30**
